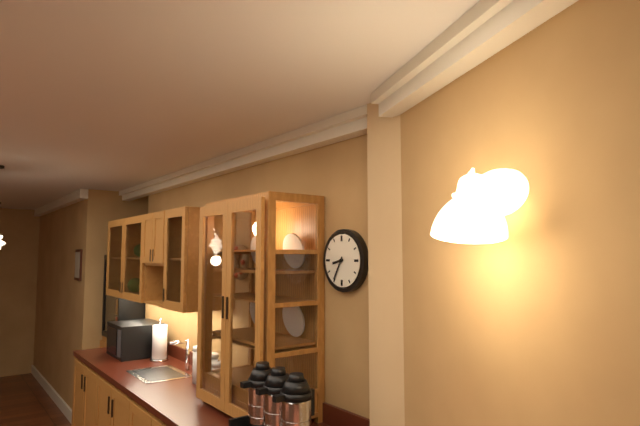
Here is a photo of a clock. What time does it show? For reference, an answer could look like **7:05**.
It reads **8:35**
